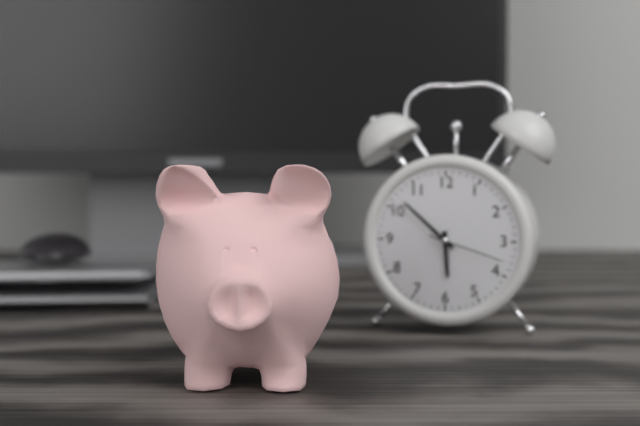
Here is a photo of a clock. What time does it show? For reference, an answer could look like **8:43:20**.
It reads **5:52:18**
